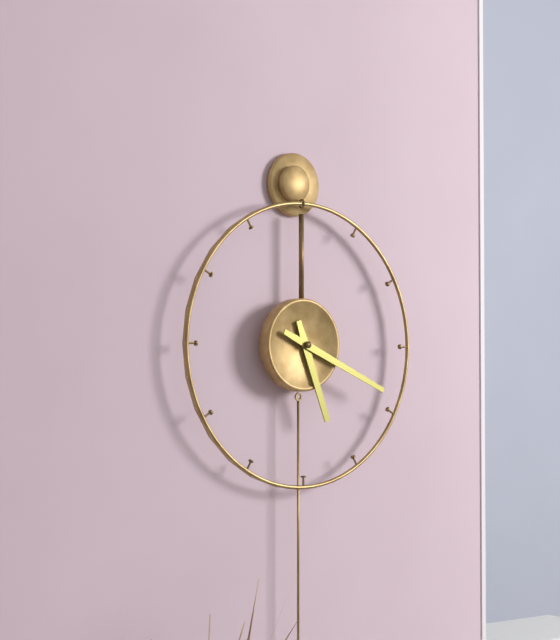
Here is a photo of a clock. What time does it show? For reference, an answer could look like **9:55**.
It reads **5:19**
